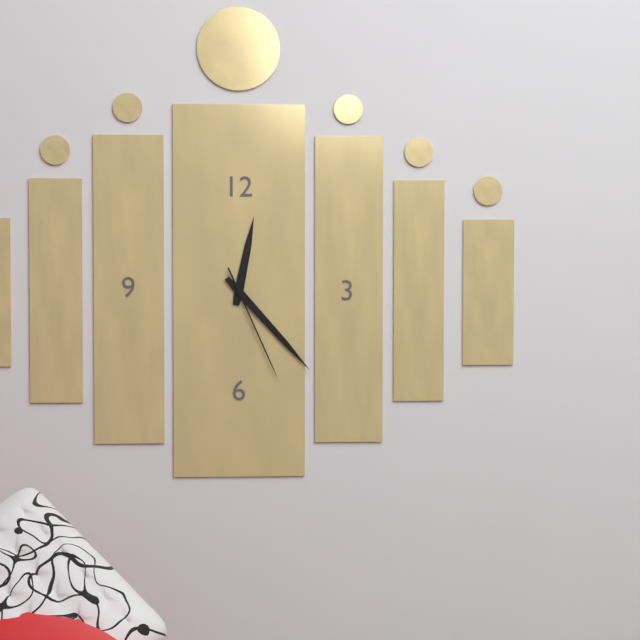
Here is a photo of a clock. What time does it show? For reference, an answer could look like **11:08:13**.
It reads **12:23:26**
